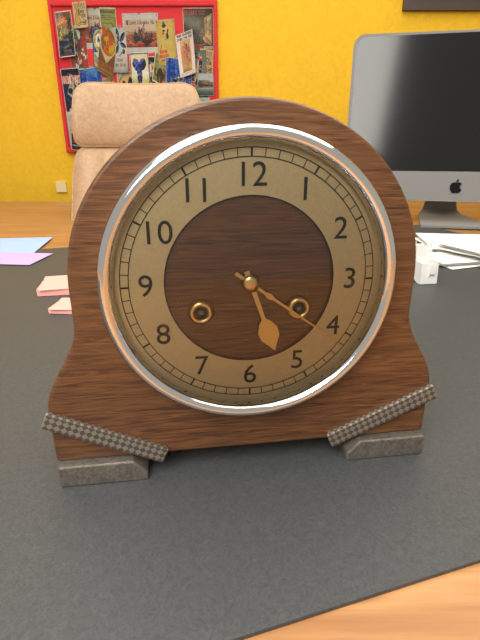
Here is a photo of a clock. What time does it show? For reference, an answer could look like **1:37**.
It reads **5:21**
